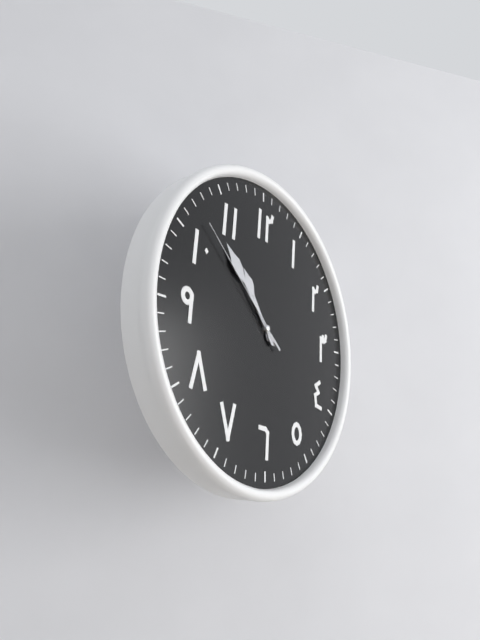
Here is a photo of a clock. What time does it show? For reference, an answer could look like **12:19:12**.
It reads **10:53:52**
